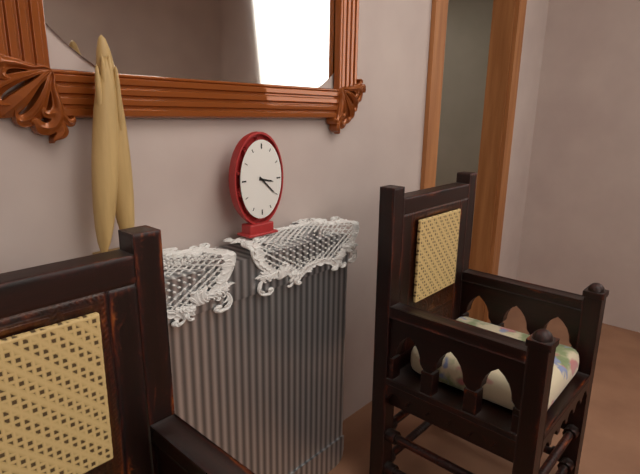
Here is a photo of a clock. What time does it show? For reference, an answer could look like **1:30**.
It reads **3:22**
